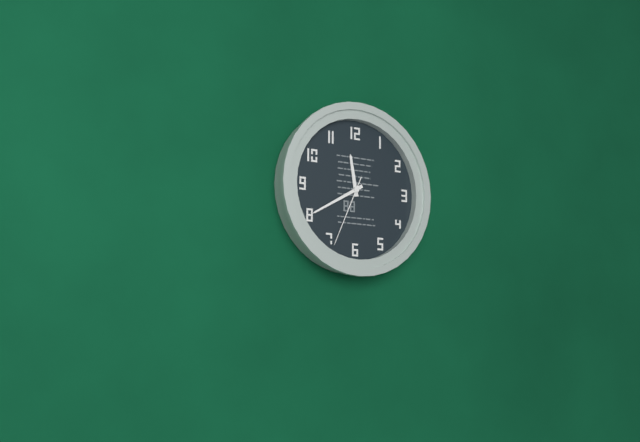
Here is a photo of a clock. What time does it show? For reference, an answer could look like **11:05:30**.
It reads **11:40:34**
